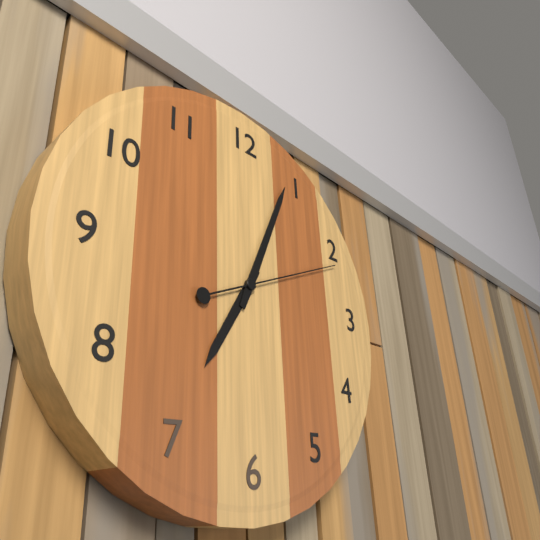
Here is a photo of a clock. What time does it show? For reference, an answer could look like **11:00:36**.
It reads **7:04:11**
